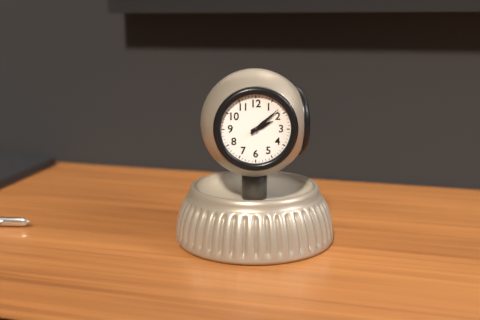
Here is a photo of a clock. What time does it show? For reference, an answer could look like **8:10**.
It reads **2:08**
